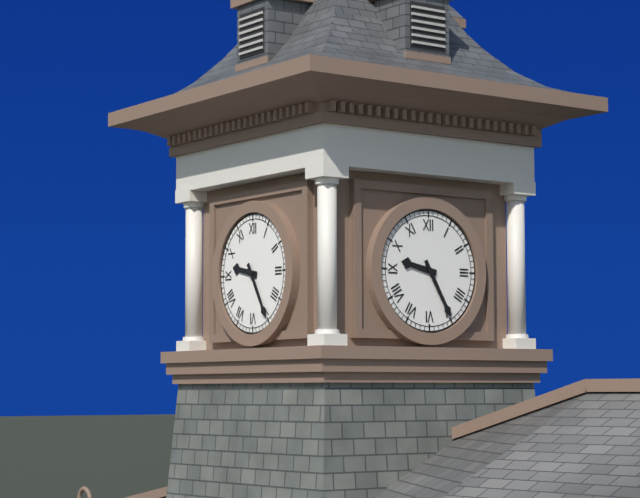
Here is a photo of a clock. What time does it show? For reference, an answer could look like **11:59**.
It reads **9:25**
